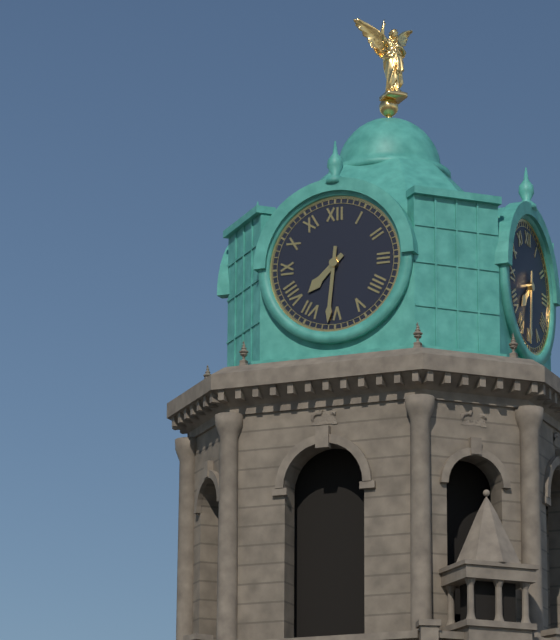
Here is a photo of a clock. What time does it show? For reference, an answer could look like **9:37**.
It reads **7:31**
